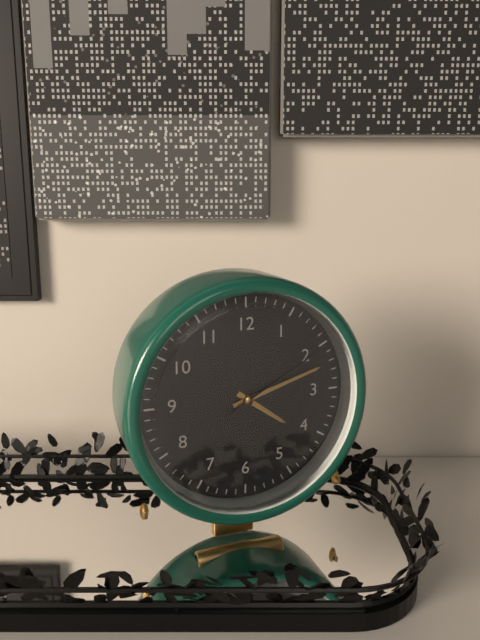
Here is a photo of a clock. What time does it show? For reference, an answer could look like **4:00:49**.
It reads **4:12:10**
